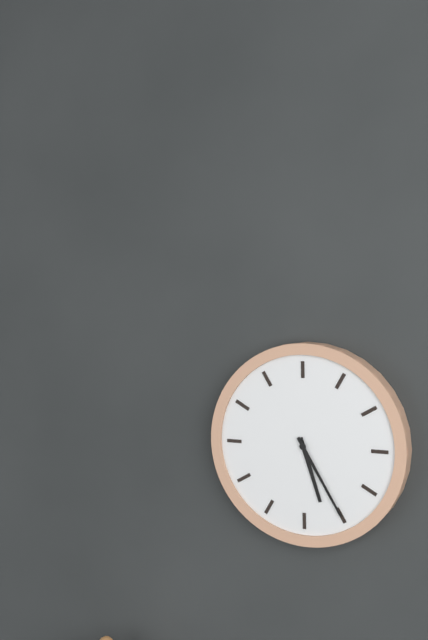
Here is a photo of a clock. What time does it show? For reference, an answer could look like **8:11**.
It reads **5:25**
